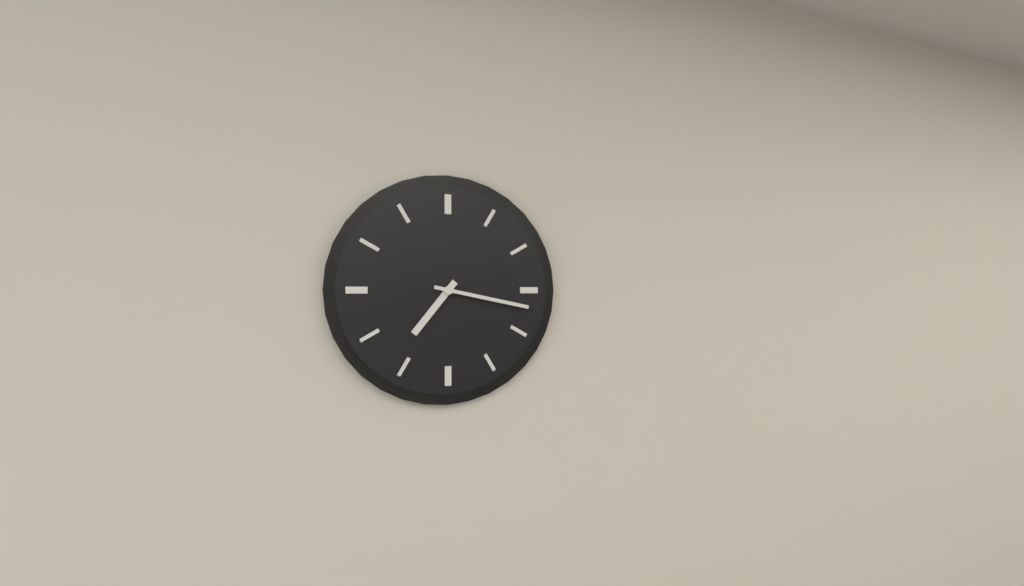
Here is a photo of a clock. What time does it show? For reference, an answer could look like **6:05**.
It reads **7:17**
